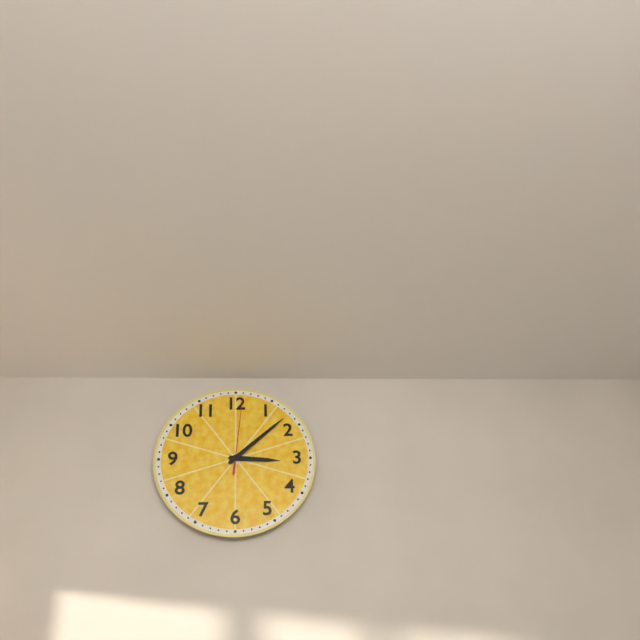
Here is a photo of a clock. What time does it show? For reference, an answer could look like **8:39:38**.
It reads **3:08:01**
